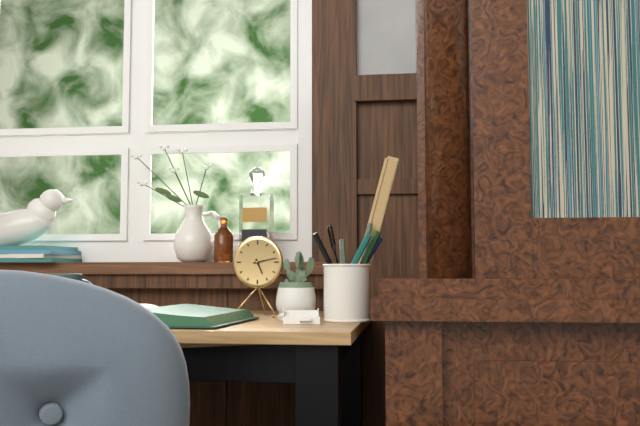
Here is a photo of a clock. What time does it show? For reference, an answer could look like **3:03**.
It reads **5:13**
